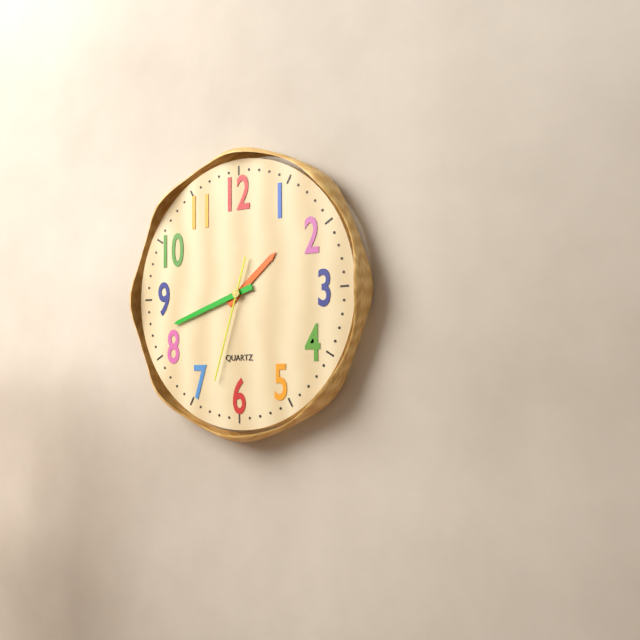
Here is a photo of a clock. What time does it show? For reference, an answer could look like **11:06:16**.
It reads **1:42:33**
